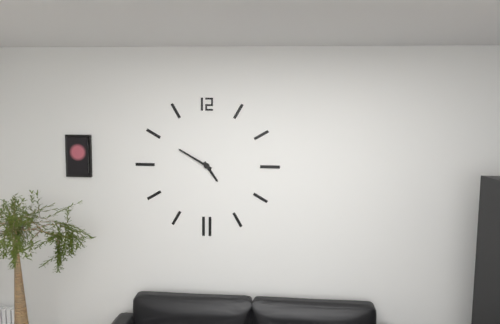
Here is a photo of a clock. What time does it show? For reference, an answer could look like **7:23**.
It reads **4:50**
